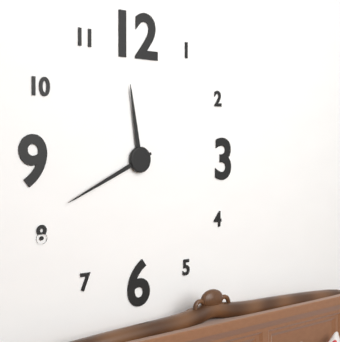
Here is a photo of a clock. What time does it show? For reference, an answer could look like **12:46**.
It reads **11:41**
